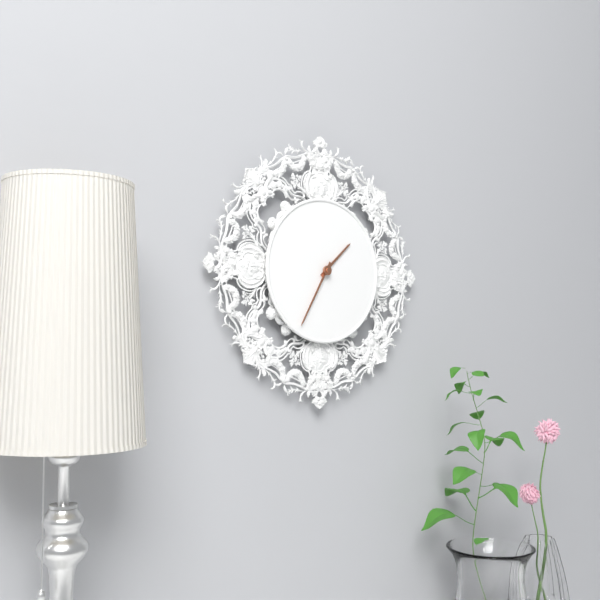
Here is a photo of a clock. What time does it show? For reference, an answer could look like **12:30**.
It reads **1:35**
